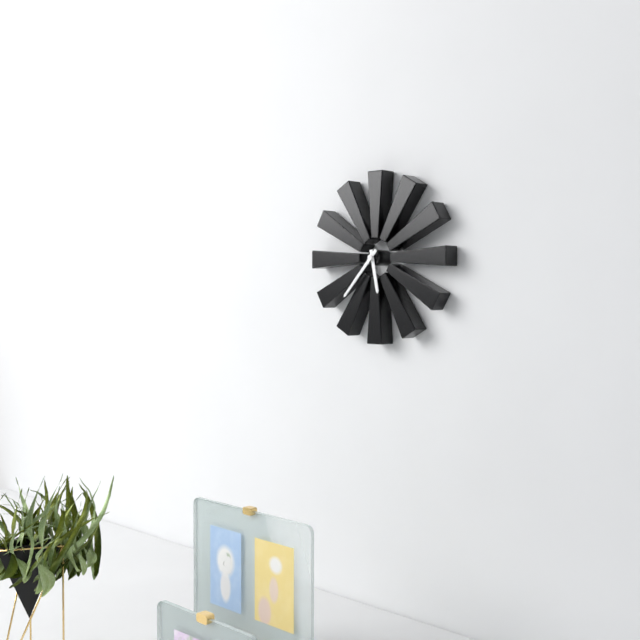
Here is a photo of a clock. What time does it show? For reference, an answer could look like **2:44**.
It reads **5:37**
